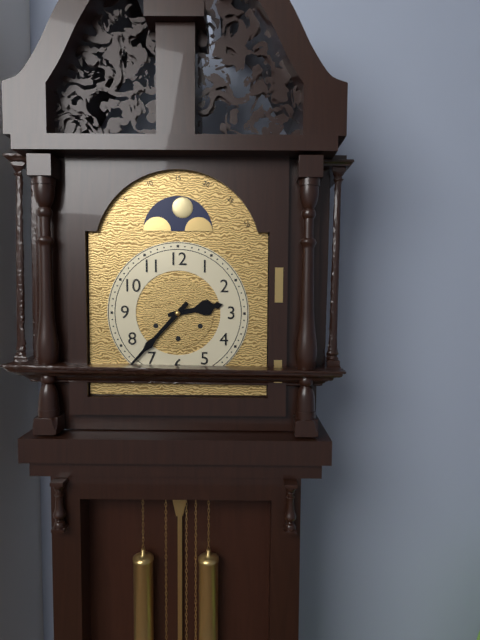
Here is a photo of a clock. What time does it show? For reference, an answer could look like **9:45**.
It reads **2:37**
